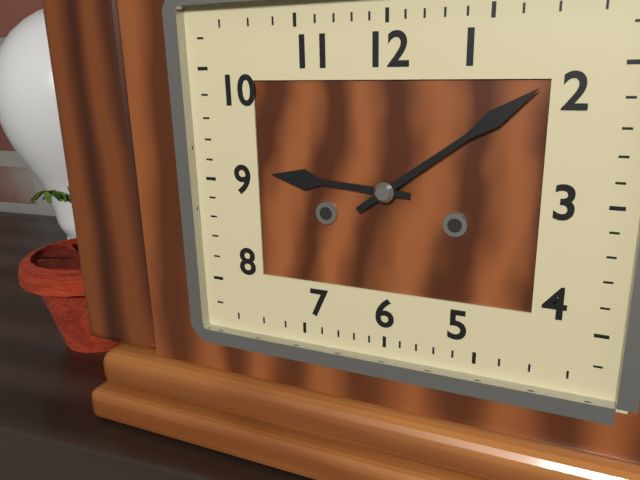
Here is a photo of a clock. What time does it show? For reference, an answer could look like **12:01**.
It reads **9:09**
